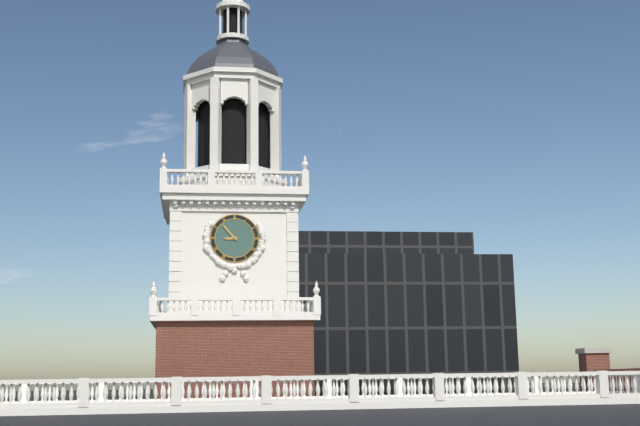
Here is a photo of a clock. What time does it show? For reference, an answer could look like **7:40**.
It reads **8:53**
